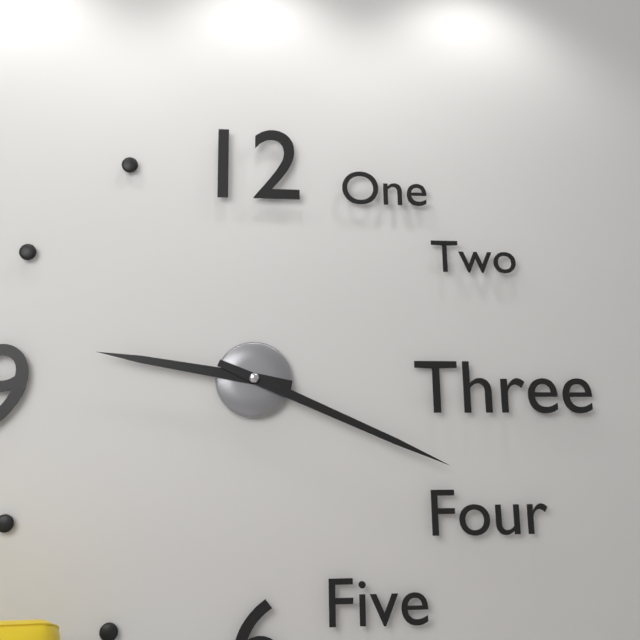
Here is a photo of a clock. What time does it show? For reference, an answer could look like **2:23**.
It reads **9:19**
